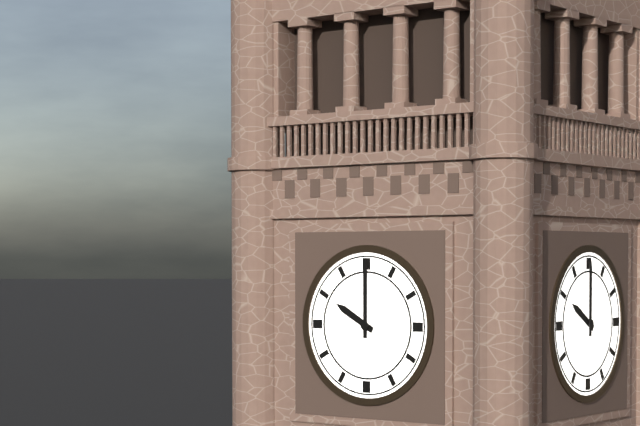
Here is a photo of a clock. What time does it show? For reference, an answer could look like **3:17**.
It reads **10:00**
